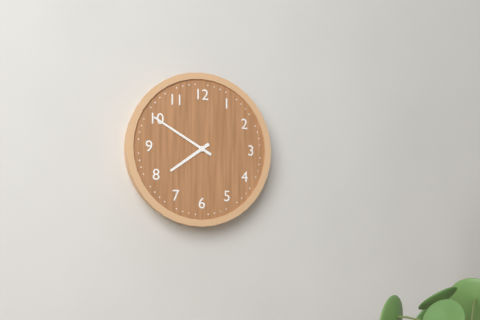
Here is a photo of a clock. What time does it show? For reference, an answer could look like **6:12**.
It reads **7:50**
